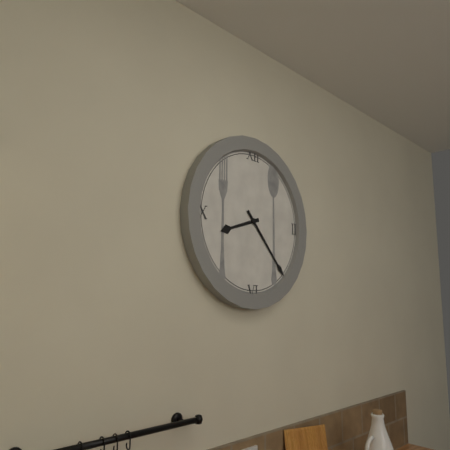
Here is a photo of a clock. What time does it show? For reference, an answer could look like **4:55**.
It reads **8:23**
